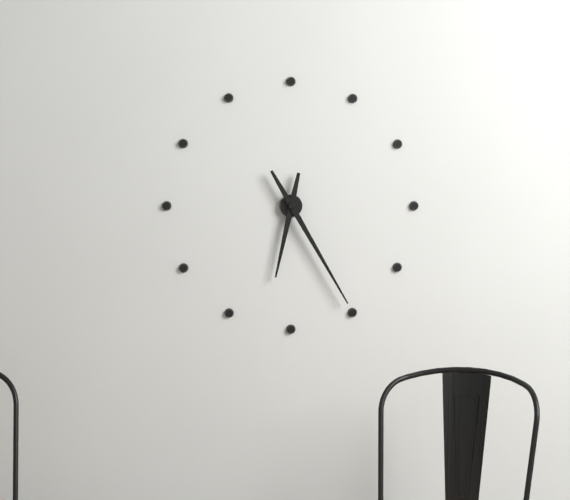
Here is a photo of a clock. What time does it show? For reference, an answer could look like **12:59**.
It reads **6:25**
